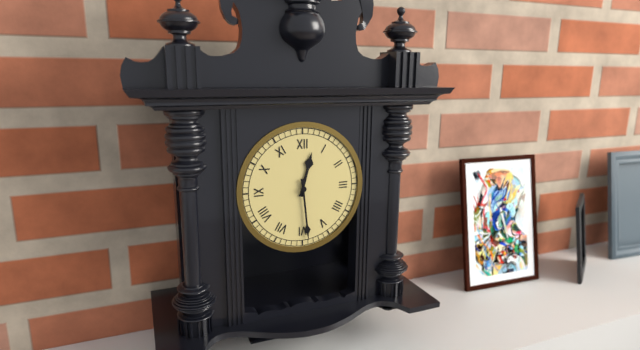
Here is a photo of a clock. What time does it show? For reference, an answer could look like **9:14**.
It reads **12:29**
